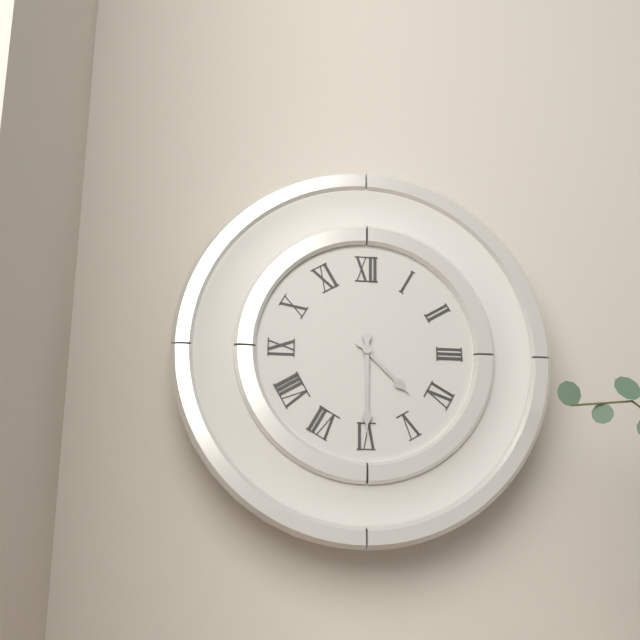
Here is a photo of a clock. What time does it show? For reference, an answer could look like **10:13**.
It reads **4:30**
